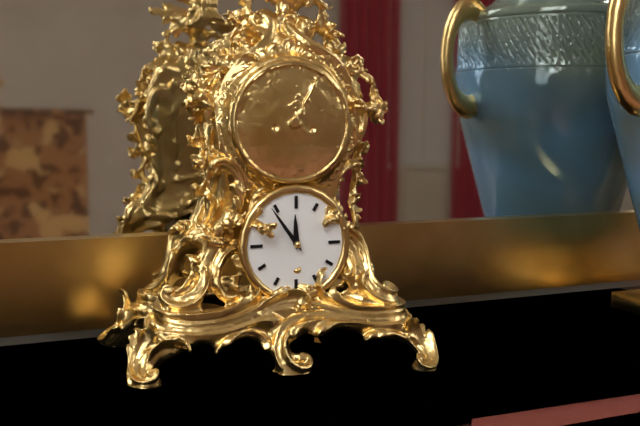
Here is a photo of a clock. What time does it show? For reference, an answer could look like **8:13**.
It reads **11:54**
